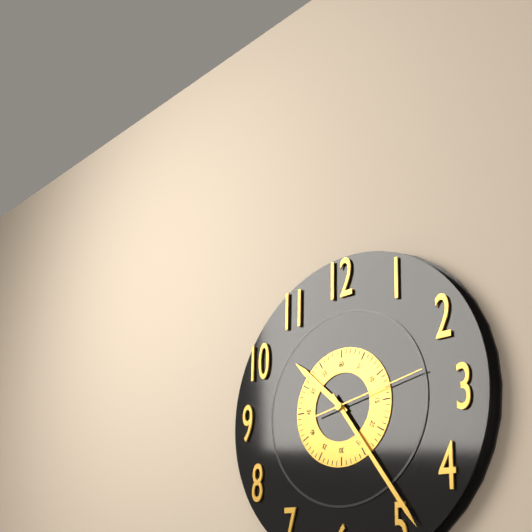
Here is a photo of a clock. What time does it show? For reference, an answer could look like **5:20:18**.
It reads **10:24:13**
